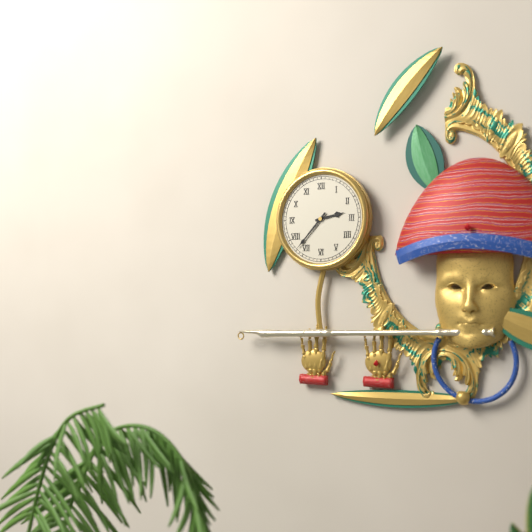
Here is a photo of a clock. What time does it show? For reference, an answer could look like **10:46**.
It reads **2:37**
